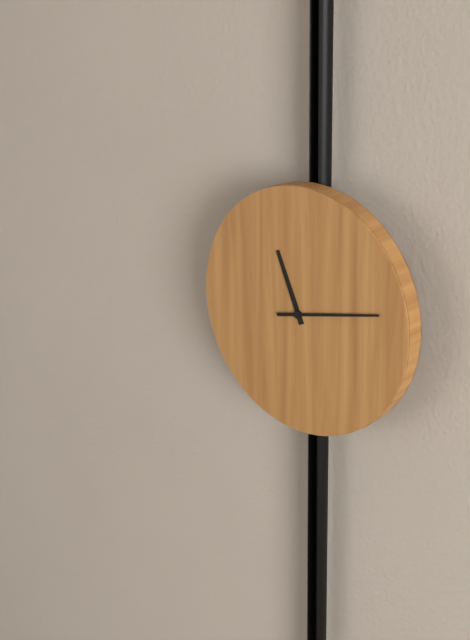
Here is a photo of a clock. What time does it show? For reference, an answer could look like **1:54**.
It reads **11:13**
